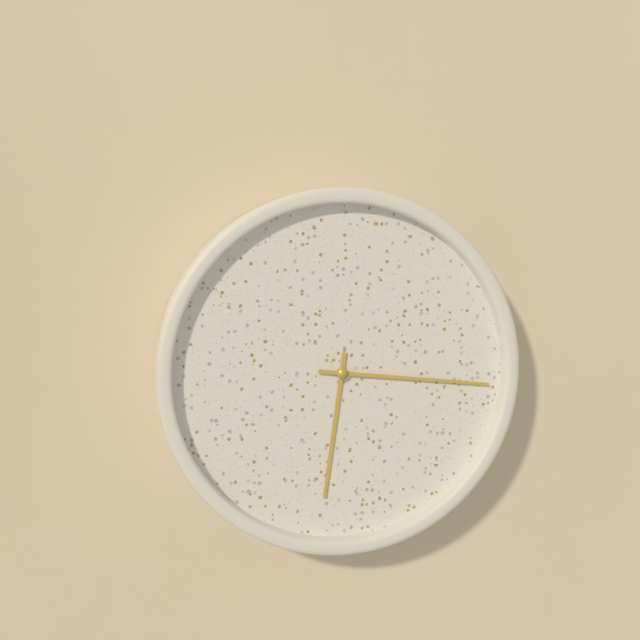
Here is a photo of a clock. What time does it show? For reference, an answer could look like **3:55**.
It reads **6:16**
